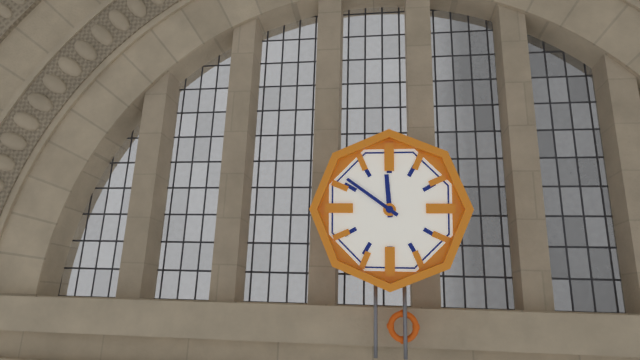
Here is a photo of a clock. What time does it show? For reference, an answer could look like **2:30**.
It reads **11:51**
